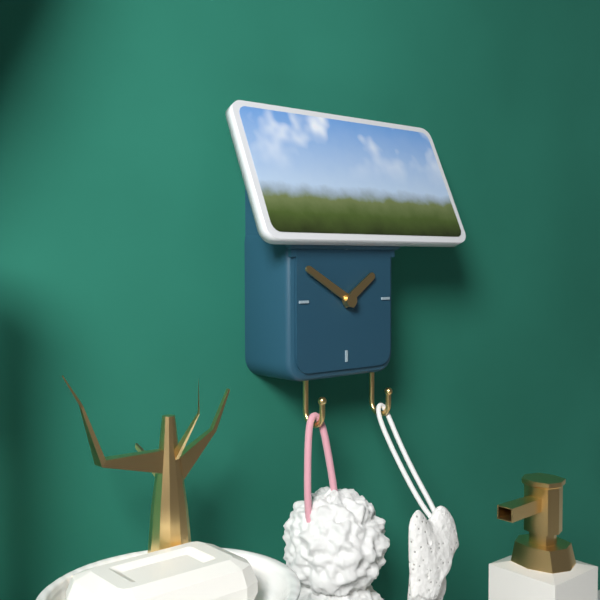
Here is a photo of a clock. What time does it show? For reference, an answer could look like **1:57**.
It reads **1:50**
